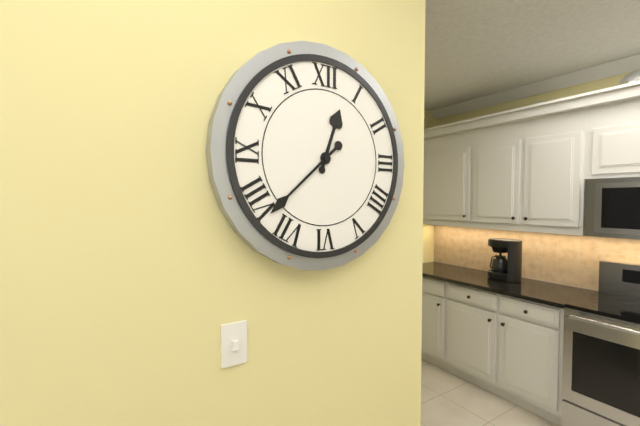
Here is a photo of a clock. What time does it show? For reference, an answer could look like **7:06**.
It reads **12:38**
